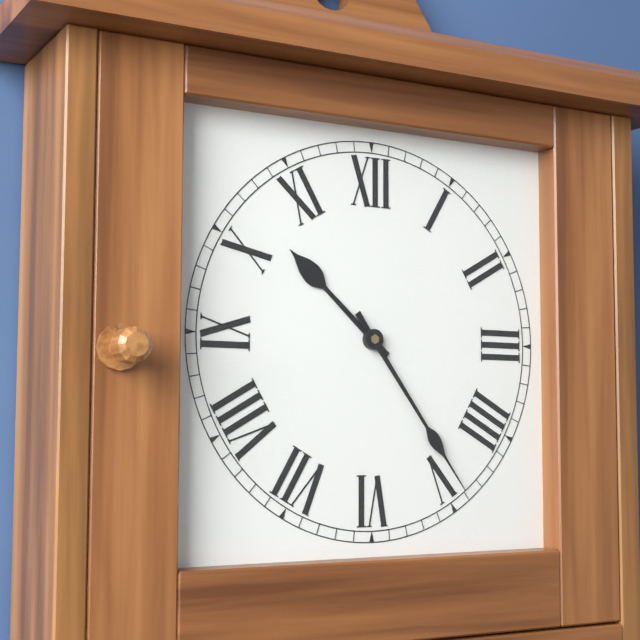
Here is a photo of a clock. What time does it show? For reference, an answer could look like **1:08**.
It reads **10:24**
